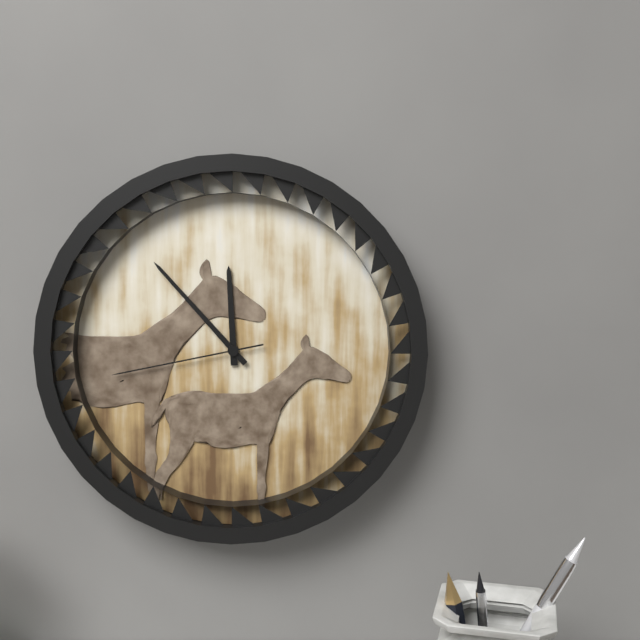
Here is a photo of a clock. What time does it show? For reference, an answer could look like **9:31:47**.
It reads **11:53:43**
